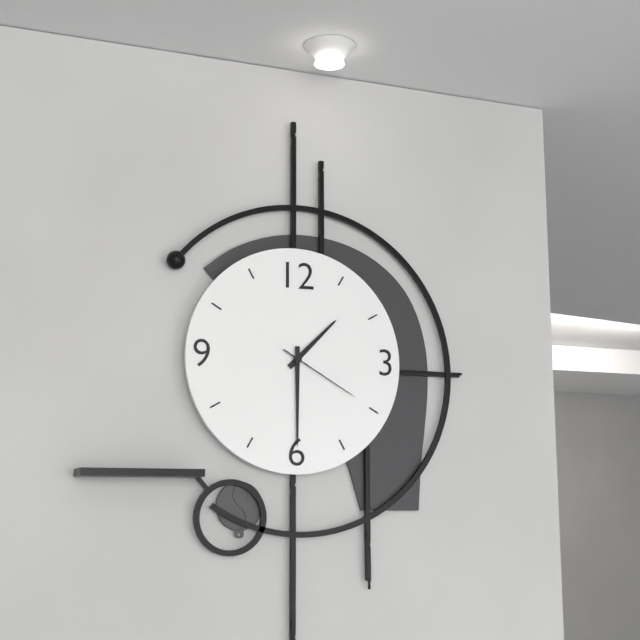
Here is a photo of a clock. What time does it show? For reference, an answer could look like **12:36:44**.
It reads **1:30:20**
